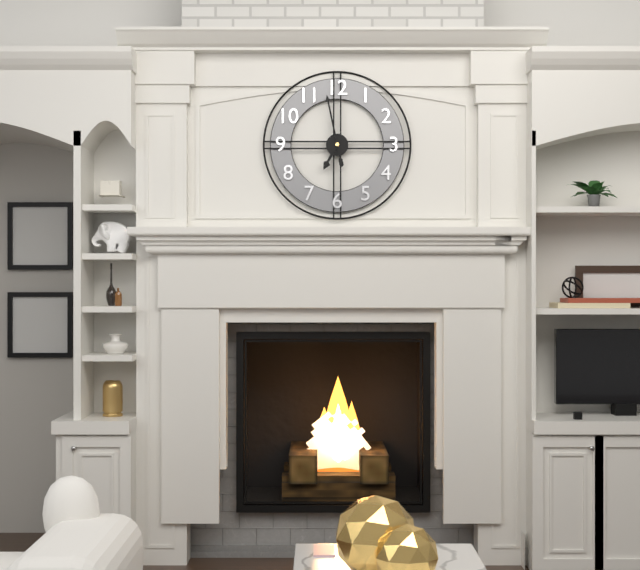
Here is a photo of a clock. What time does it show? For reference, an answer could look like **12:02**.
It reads **6:58**
